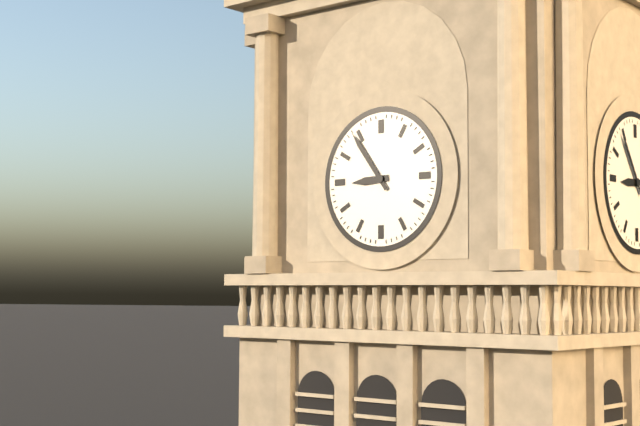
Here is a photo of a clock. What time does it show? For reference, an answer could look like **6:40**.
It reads **8:54**
